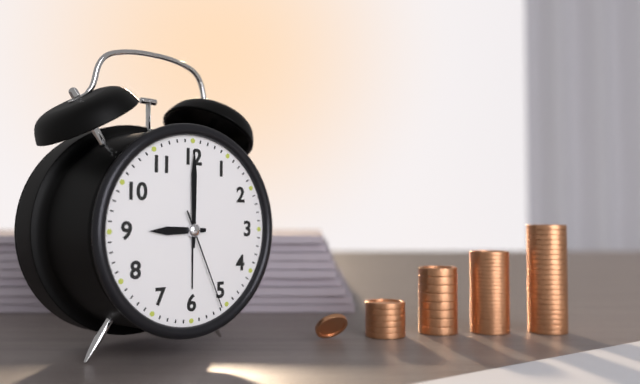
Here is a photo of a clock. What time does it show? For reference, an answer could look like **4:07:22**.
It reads **9:00:26**
